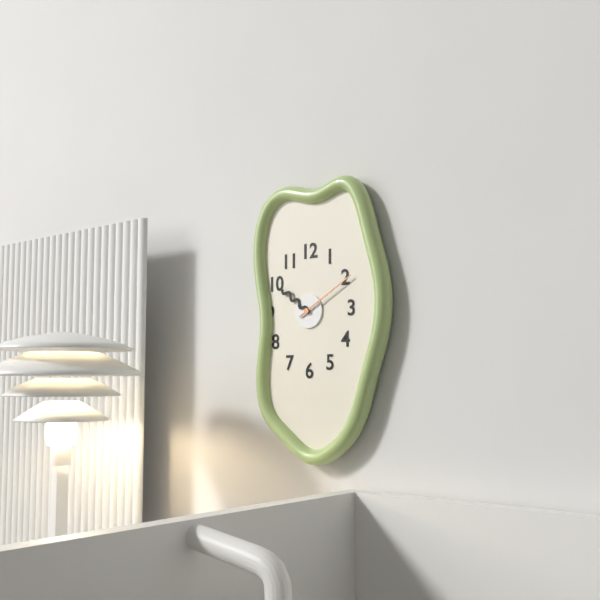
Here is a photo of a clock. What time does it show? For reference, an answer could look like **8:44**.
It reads **10:10**
